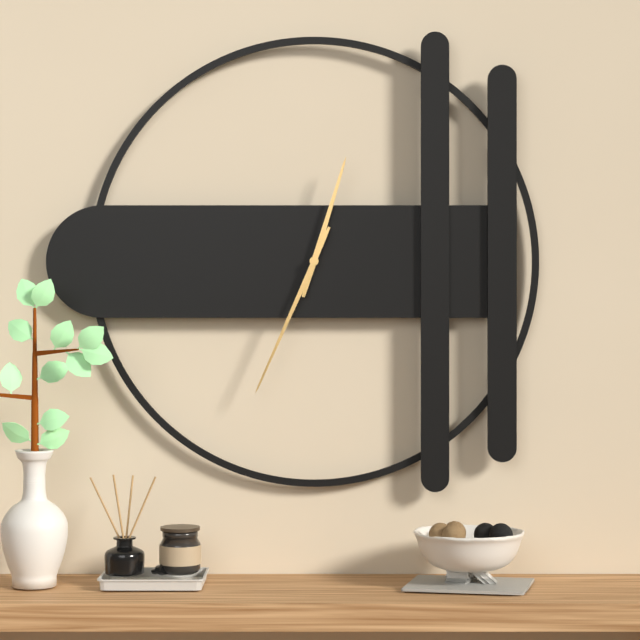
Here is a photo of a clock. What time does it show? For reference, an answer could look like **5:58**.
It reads **12:34**
